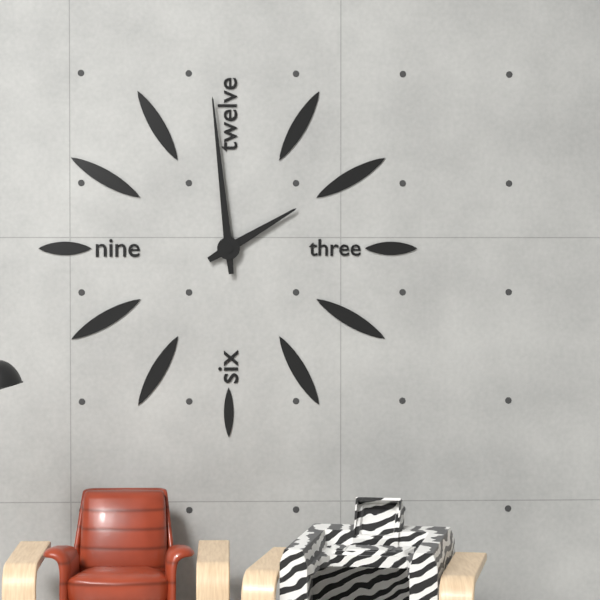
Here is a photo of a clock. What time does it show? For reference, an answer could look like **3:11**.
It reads **1:59**
